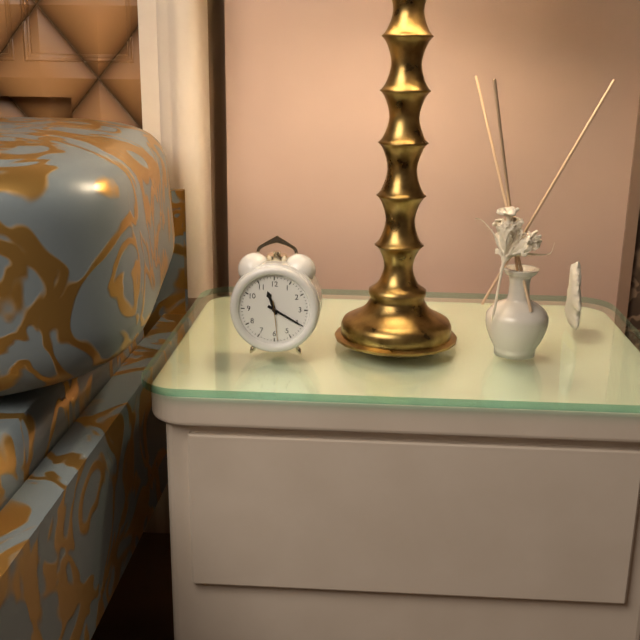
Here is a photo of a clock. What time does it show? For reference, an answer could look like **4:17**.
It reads **11:20**
